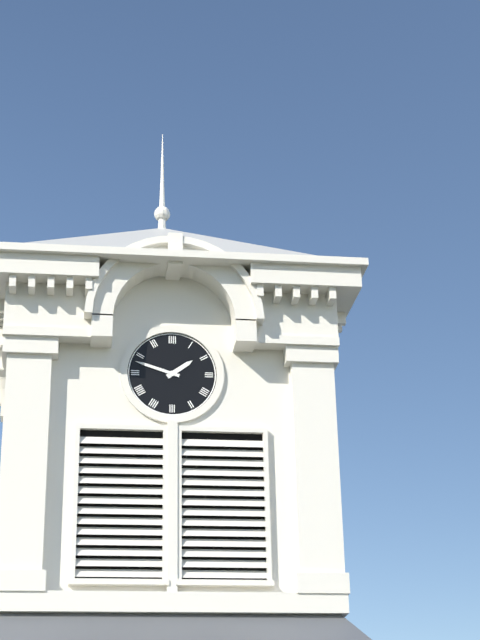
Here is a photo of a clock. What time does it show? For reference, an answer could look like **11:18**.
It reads **1:48**
